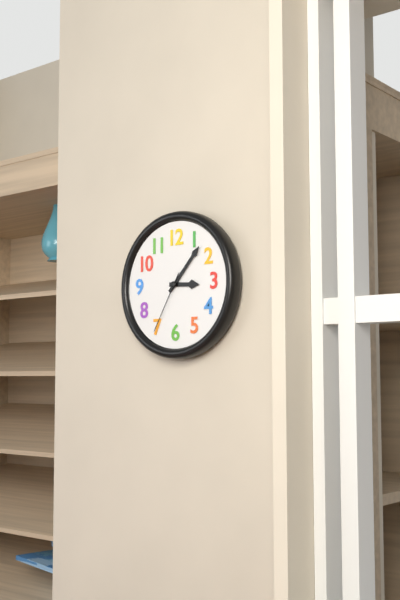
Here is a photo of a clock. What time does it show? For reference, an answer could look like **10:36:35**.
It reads **3:07:35**
